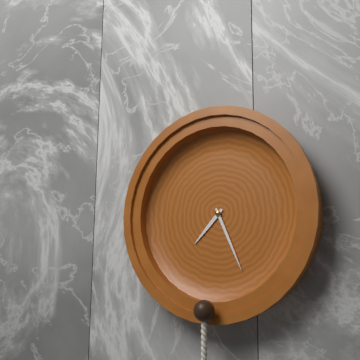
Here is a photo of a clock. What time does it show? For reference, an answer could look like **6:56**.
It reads **7:26**
